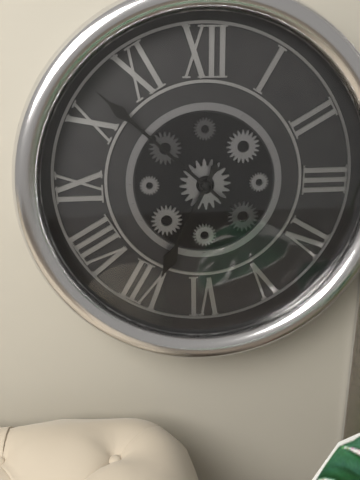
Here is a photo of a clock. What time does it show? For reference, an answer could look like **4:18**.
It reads **6:52**
